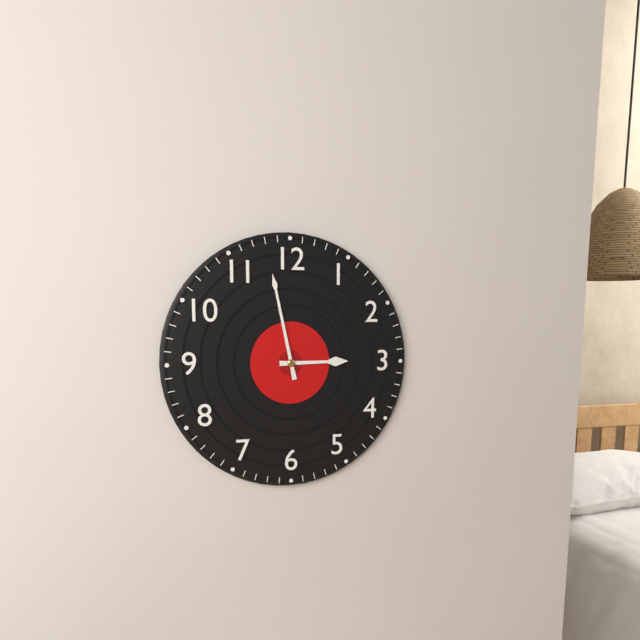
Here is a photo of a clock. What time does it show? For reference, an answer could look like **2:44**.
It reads **2:58**
